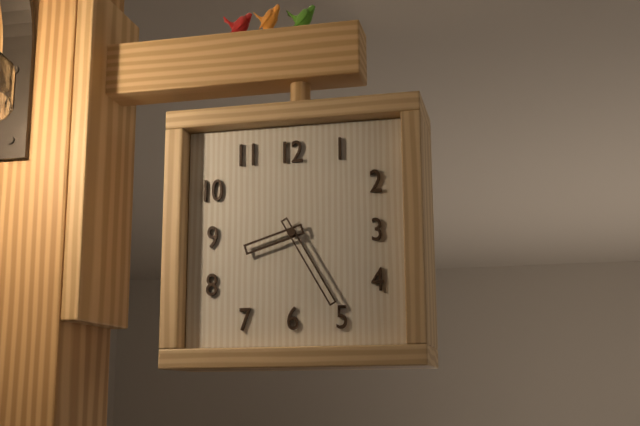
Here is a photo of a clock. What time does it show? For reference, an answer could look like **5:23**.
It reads **8:25**
